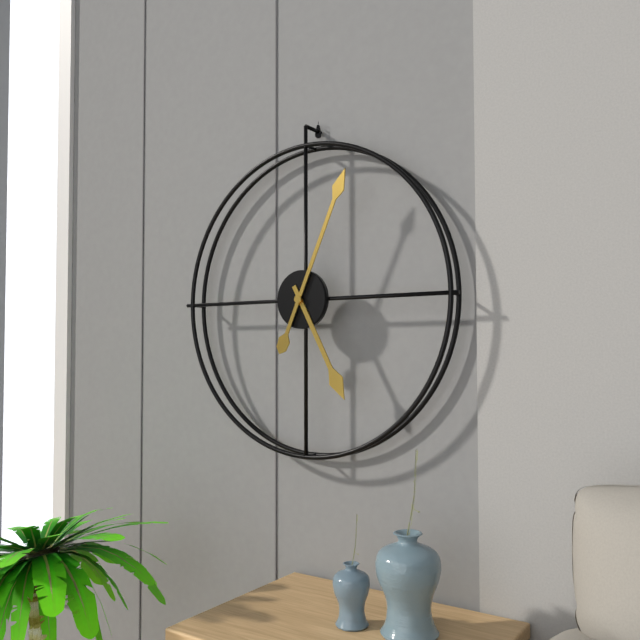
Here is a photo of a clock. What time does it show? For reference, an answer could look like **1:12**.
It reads **5:04**
